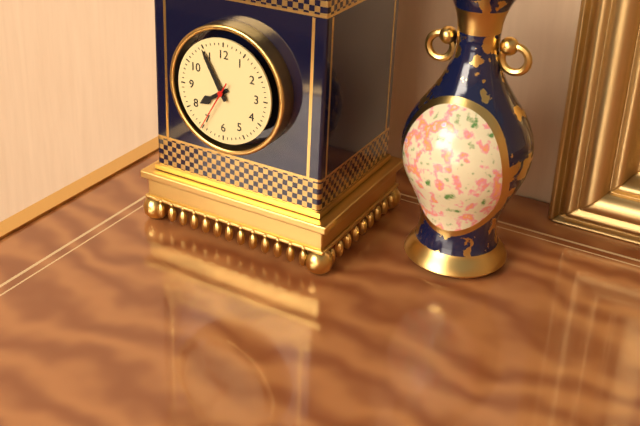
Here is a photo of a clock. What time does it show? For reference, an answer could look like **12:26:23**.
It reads **7:55:35**
